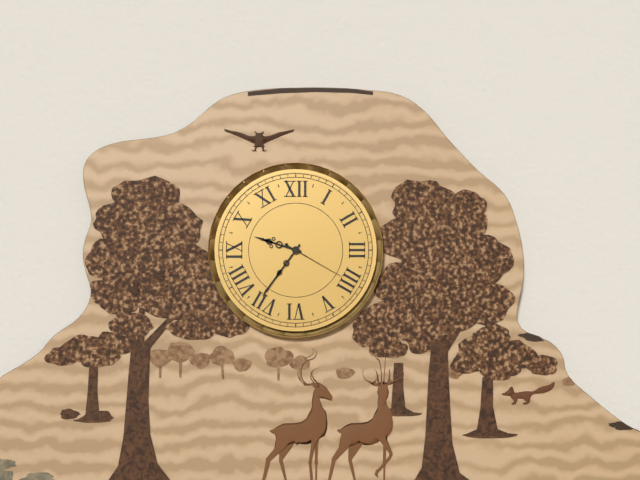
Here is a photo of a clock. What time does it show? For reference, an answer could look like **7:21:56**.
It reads **9:36:20**
